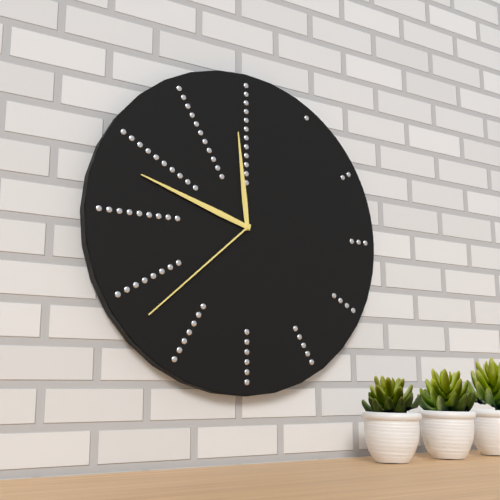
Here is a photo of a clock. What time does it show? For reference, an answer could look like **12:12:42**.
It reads **11:48:38**
